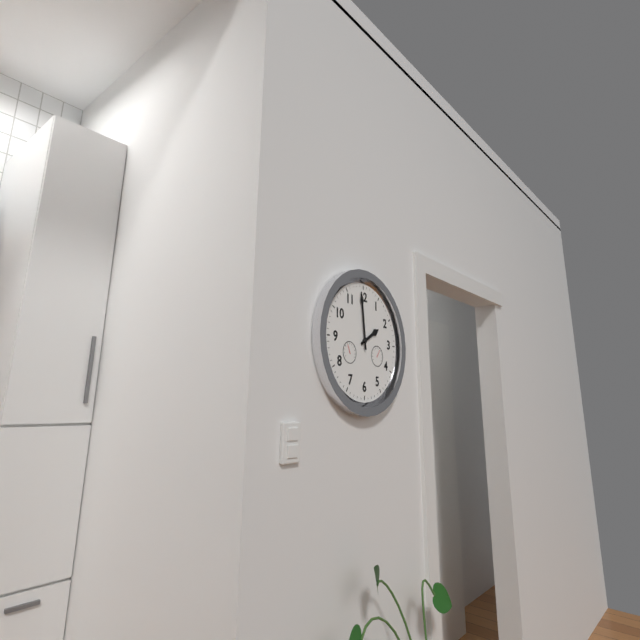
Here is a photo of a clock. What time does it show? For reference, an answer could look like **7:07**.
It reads **1:59**
